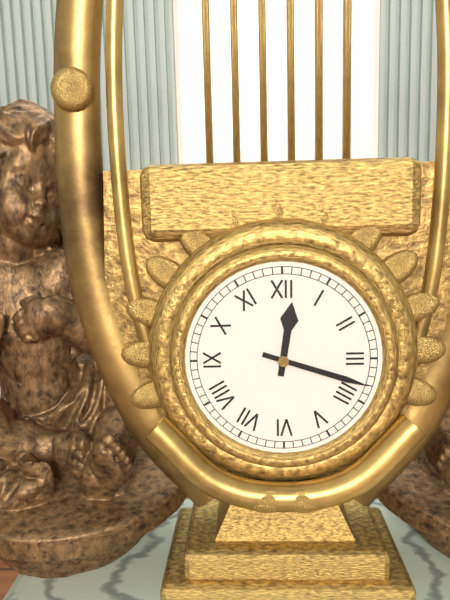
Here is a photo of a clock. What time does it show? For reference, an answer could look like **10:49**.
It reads **12:18**
